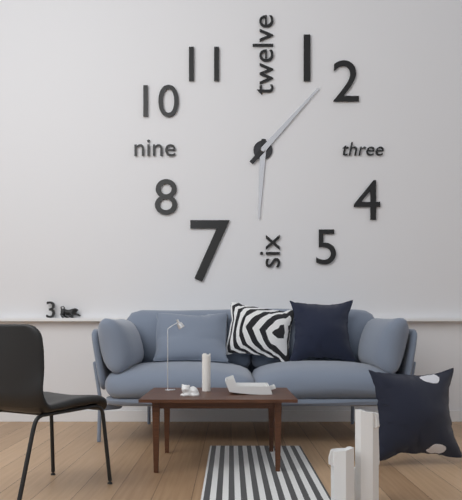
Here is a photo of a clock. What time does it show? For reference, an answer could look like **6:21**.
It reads **6:07**
